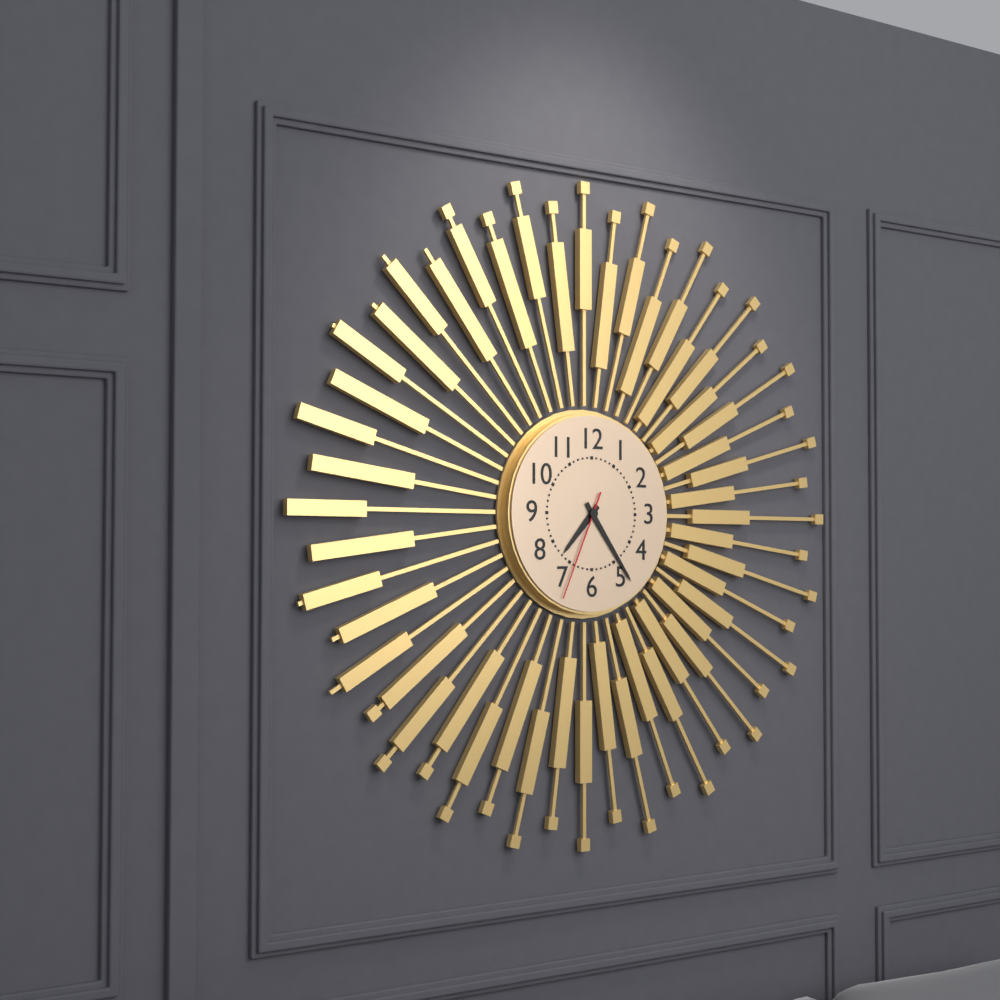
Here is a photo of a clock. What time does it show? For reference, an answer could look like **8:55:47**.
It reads **7:24:34**
